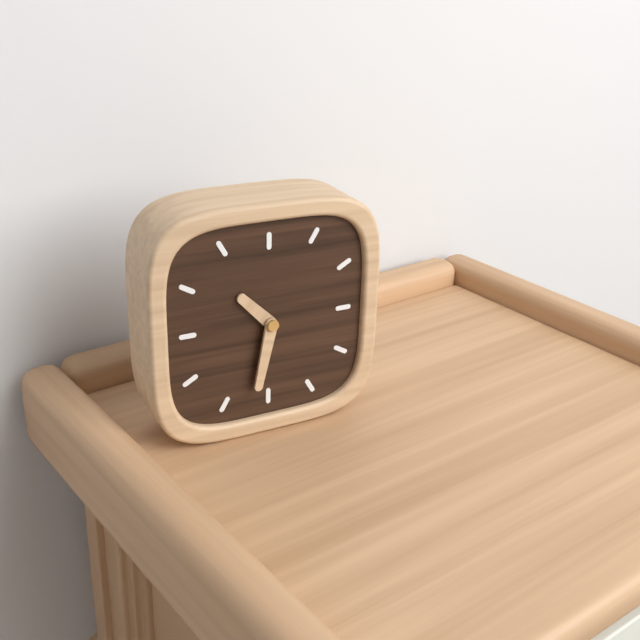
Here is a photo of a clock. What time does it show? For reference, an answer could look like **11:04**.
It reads **10:32**
